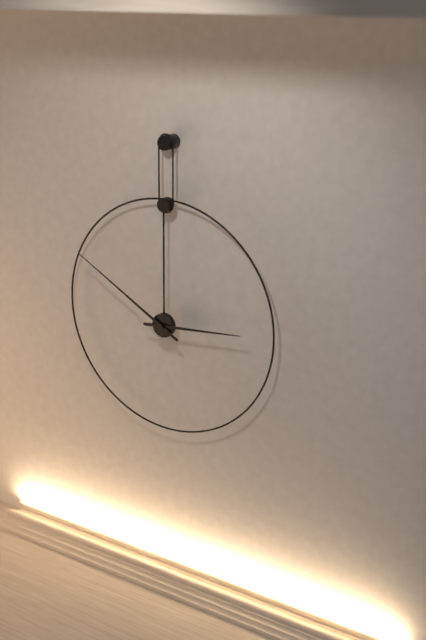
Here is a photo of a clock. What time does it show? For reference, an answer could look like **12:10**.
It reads **2:50**
